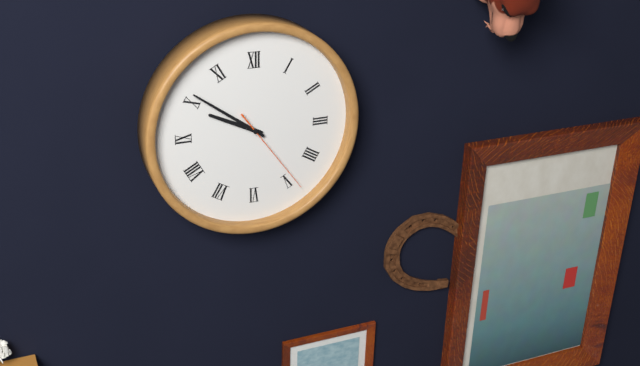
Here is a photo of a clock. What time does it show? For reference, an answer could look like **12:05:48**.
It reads **9:51:24**
